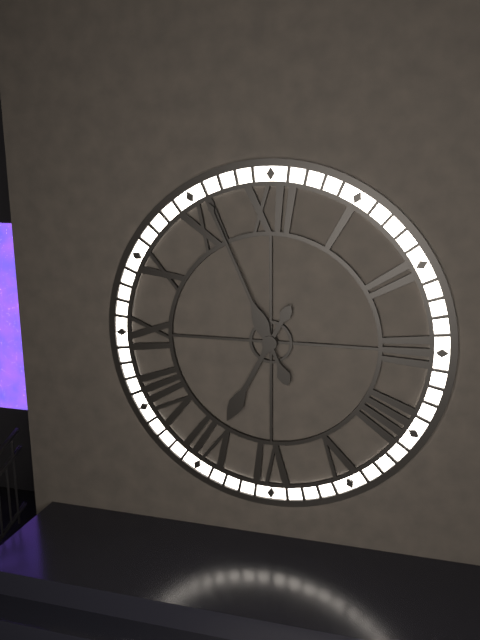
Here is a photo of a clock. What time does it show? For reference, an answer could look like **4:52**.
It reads **6:56**
